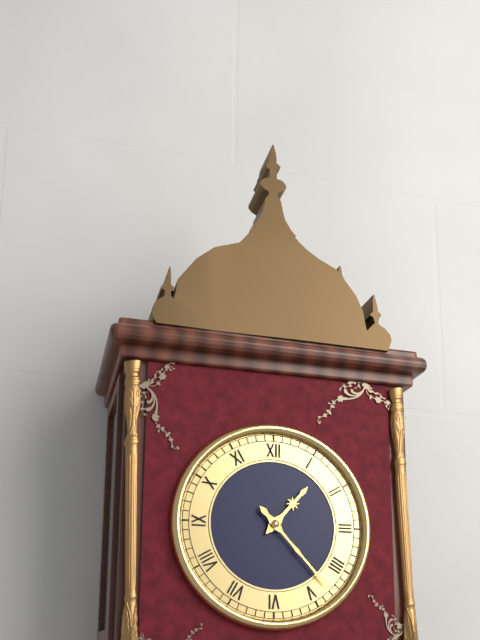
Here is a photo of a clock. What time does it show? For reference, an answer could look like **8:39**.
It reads **1:23**
